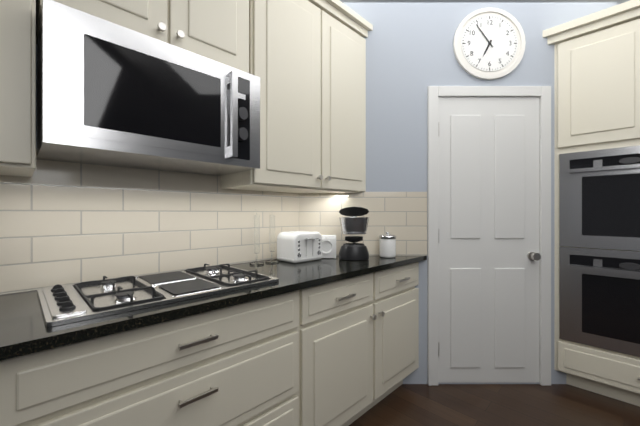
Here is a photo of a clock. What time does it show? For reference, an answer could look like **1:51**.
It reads **6:54**
